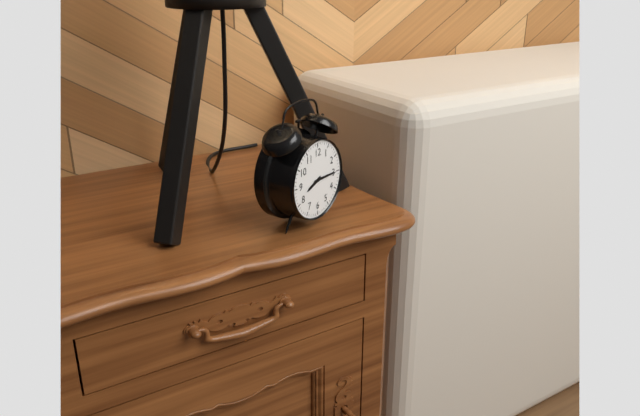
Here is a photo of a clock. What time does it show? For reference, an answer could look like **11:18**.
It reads **8:15**
